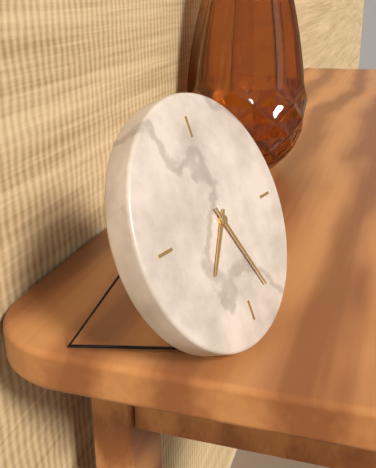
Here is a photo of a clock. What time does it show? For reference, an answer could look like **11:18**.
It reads **7:26**
